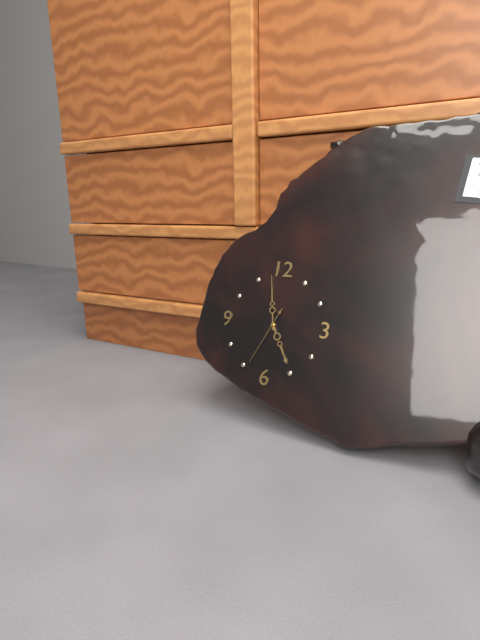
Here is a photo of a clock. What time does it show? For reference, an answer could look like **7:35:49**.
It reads **4:58:34**
